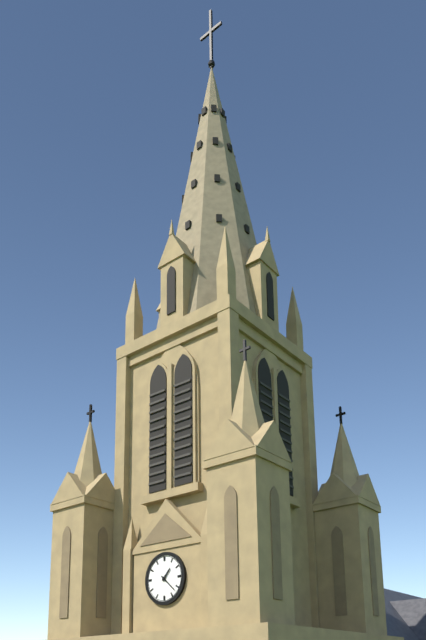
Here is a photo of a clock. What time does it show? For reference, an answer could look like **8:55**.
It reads **1:22**
